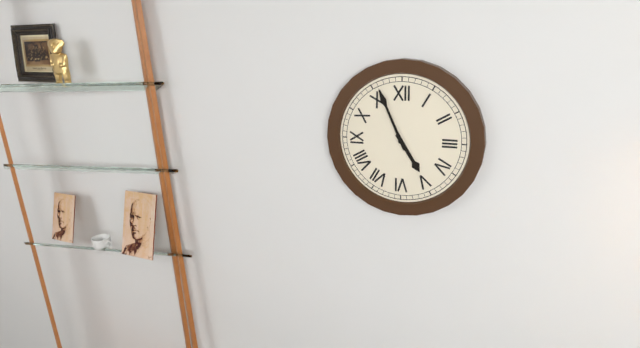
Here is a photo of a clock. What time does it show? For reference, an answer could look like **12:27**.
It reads **4:56**
